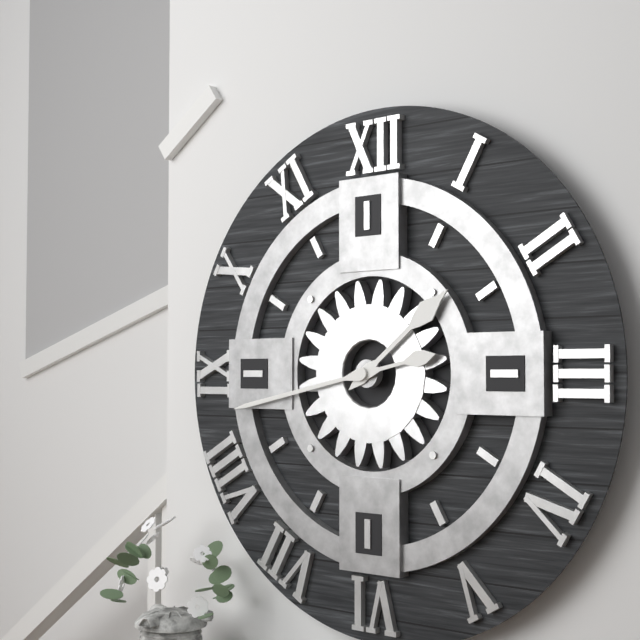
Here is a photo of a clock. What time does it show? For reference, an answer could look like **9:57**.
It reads **1:43**
